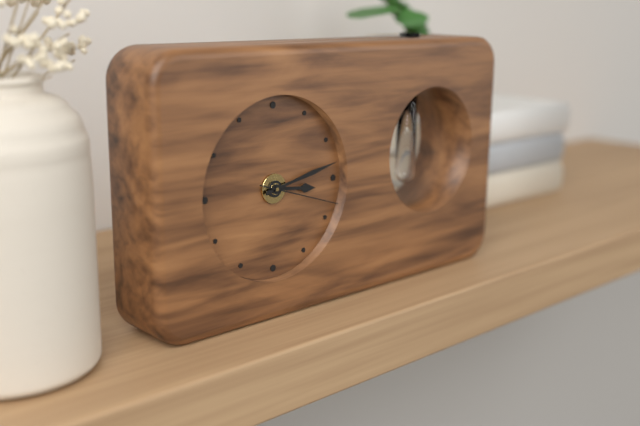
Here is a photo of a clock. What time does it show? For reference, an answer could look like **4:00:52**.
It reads **3:13:18**
